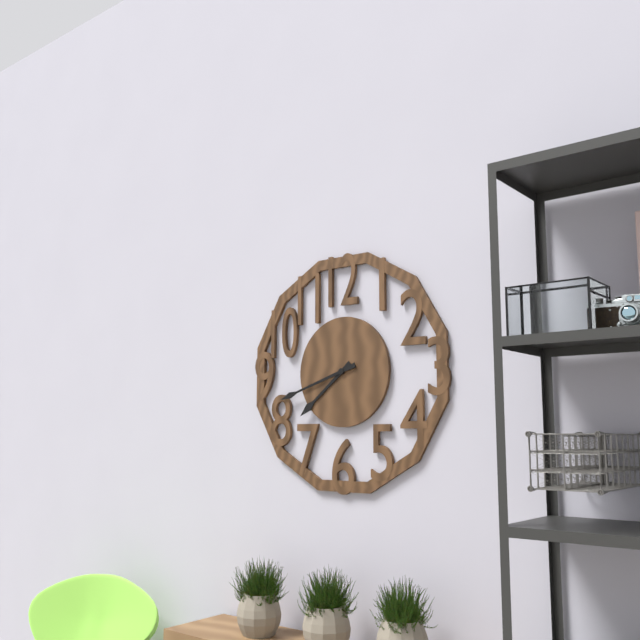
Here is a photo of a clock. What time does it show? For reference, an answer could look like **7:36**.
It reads **7:42**
